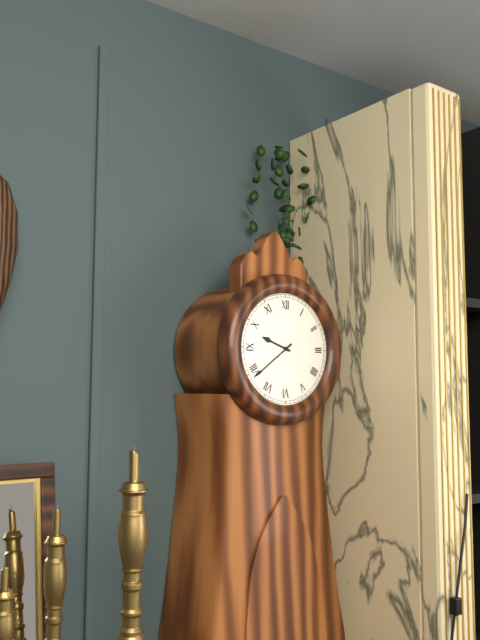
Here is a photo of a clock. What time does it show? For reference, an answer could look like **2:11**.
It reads **9:39**
